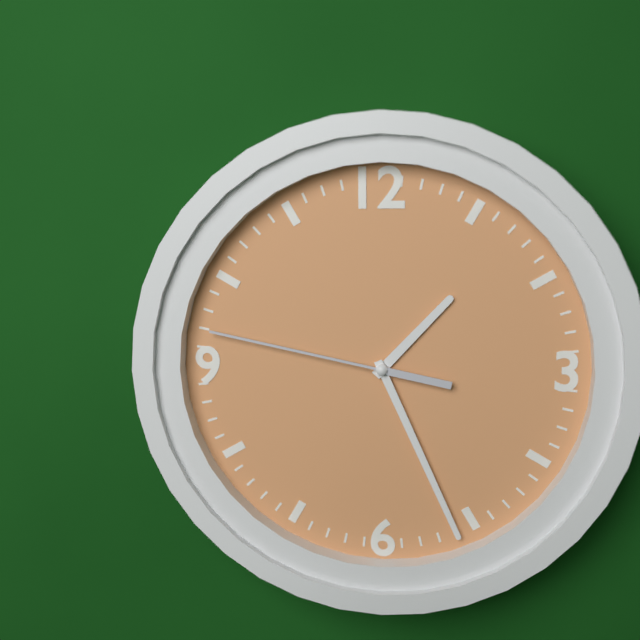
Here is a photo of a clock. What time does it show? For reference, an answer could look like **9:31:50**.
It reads **1:26:47**
